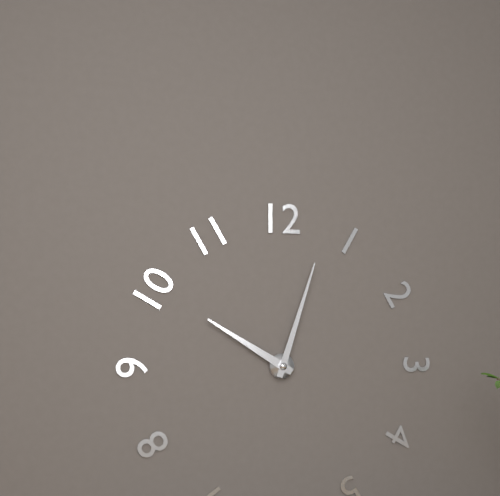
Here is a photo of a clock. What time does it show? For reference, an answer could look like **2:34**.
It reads **10:03**
